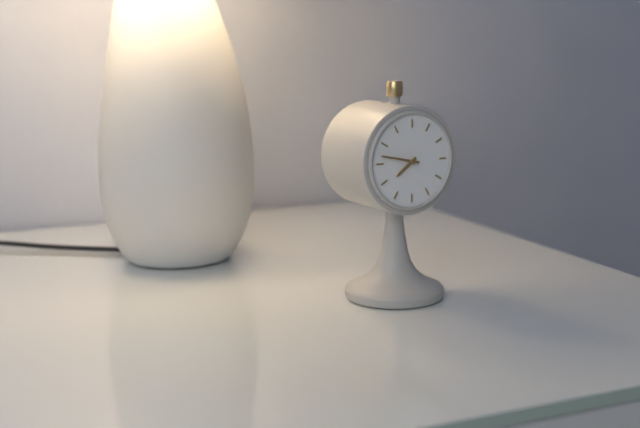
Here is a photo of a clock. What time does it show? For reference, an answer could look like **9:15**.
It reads **7:47**
